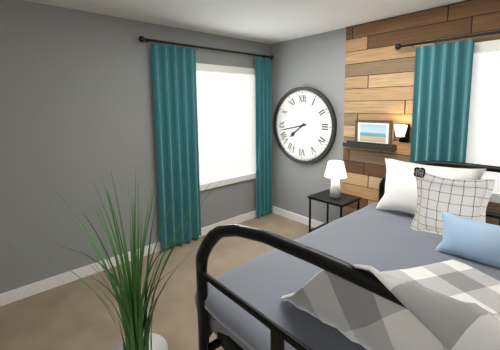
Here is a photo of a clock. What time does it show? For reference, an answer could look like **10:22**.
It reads **7:43**
